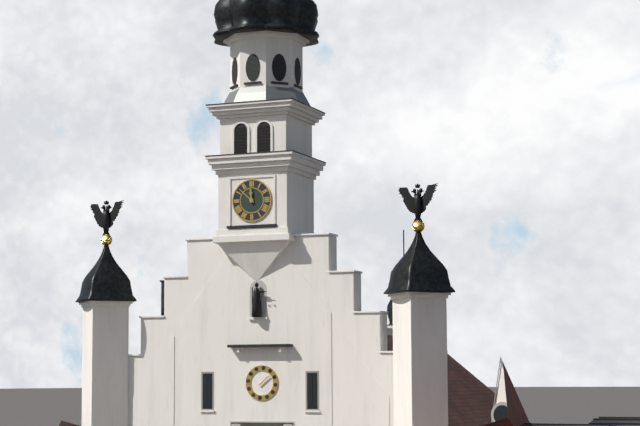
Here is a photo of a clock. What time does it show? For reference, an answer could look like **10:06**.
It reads **11:52**
